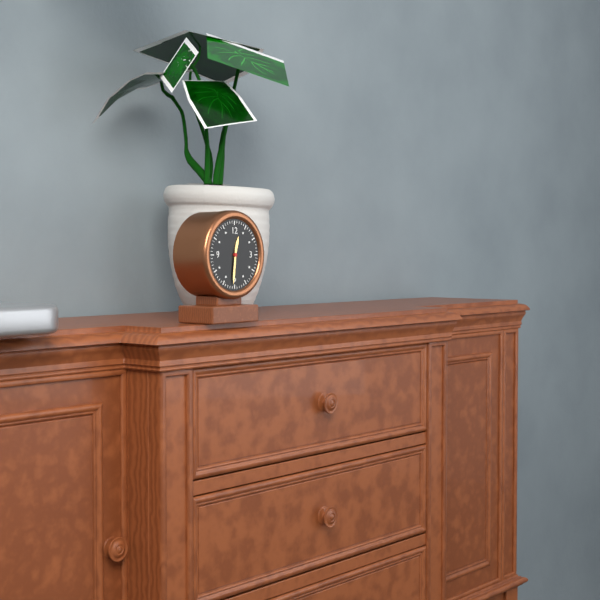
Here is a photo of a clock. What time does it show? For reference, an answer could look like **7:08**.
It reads **12:31**
